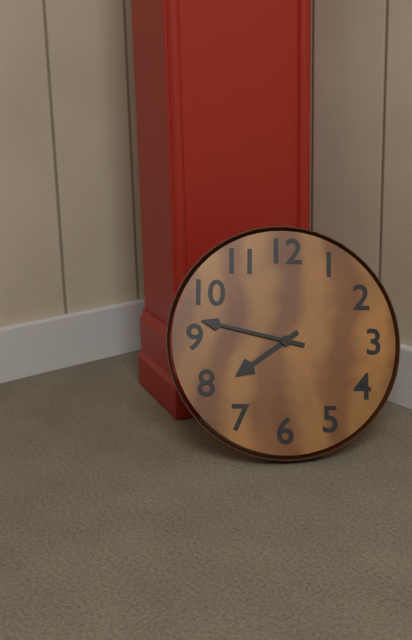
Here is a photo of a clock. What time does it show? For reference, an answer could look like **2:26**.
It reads **7:47**
